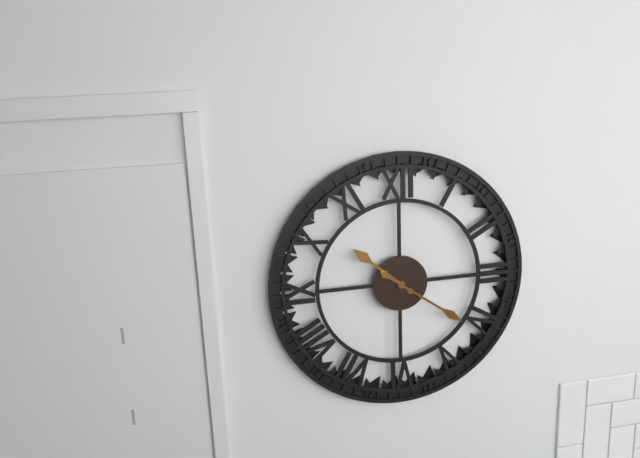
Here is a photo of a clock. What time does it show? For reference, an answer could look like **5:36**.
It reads **10:21**
